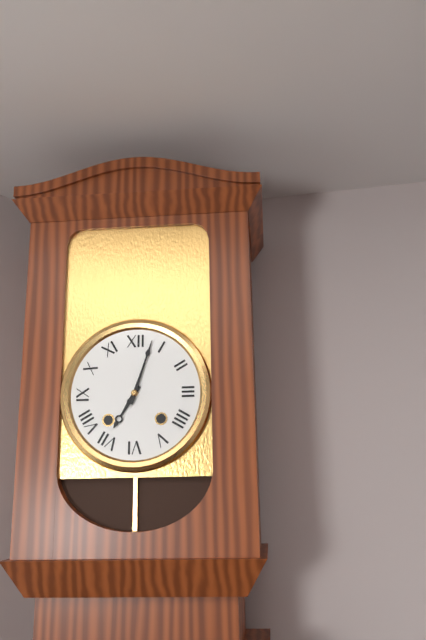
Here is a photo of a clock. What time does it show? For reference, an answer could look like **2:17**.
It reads **7:03**
